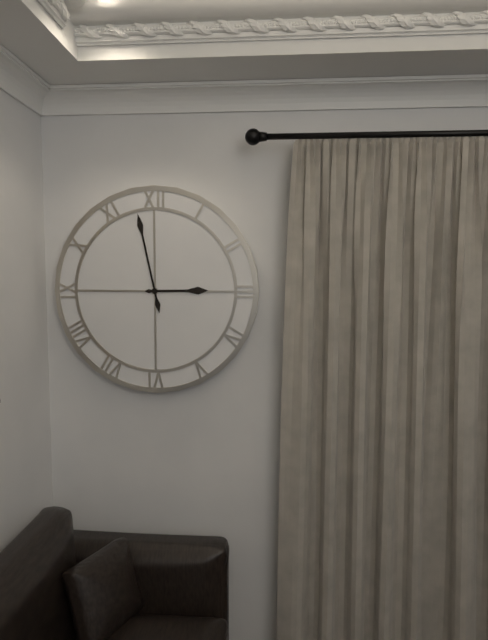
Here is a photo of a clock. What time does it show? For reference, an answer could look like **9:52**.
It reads **2:58**
